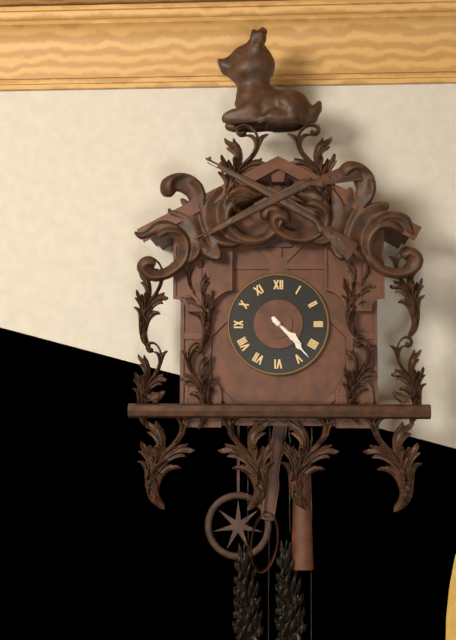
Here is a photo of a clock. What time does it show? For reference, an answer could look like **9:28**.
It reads **4:23**
